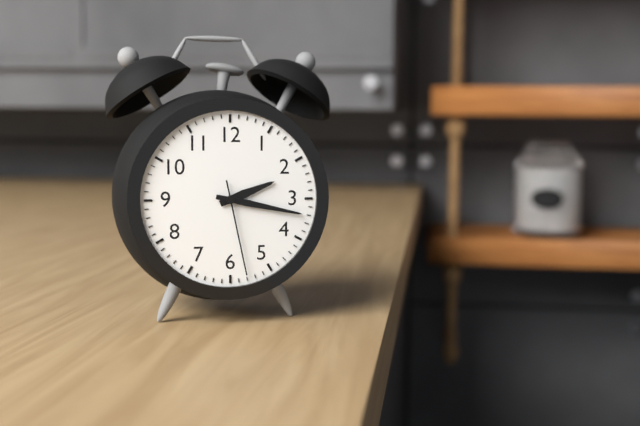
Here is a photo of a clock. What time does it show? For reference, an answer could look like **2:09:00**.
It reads **2:17:28**
